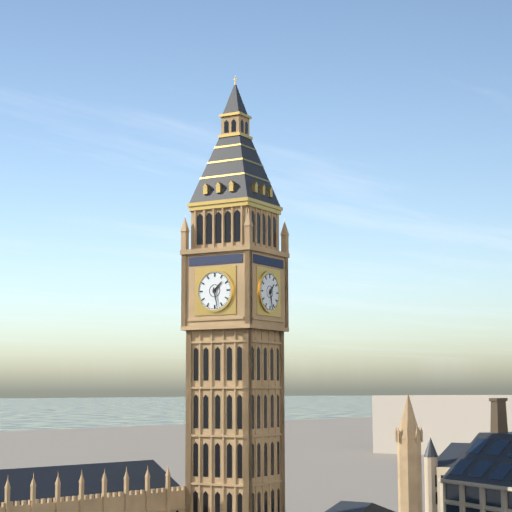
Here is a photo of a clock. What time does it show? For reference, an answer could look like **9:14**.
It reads **1:28**
